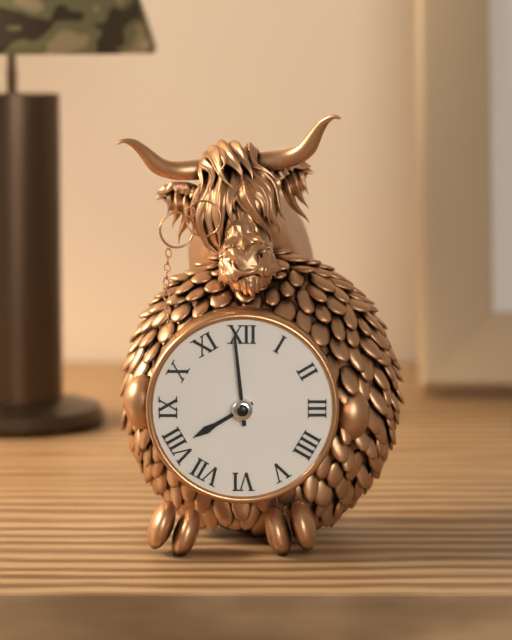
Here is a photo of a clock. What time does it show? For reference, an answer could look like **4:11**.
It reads **7:59**
